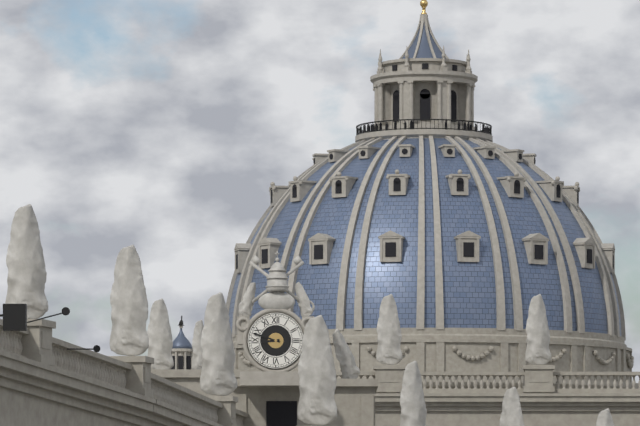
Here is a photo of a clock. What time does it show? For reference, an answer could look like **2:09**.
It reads **8:48**
